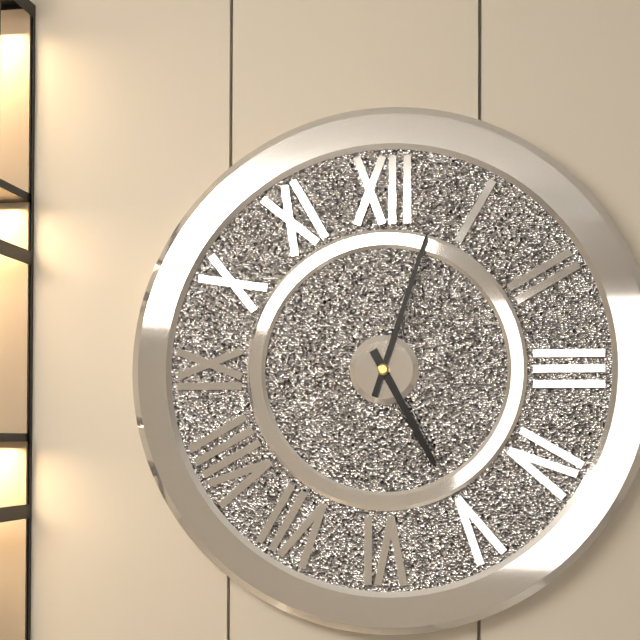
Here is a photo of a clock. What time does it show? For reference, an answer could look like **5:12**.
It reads **5:03**
